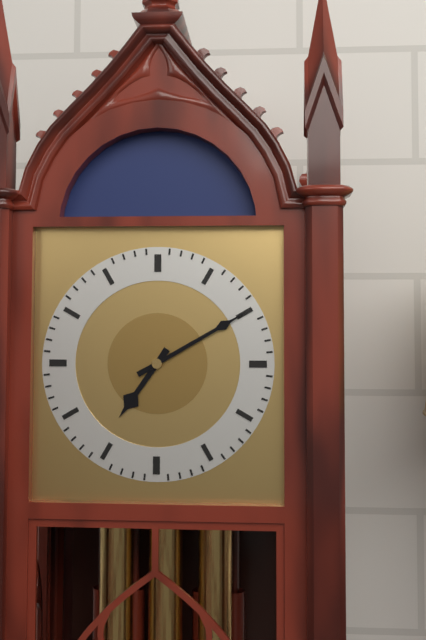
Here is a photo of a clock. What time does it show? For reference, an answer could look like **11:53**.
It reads **7:10**
